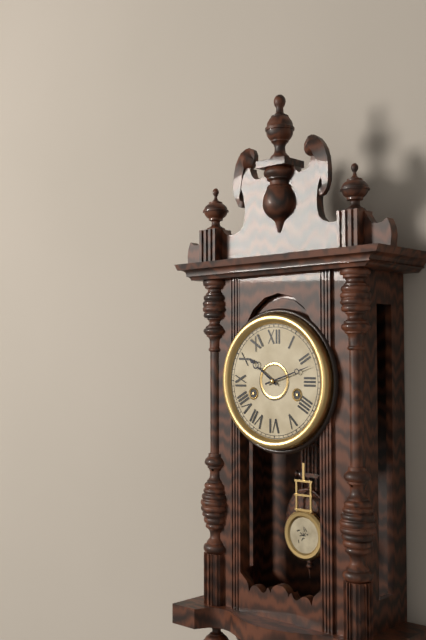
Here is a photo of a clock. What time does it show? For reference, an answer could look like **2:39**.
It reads **10:12**
